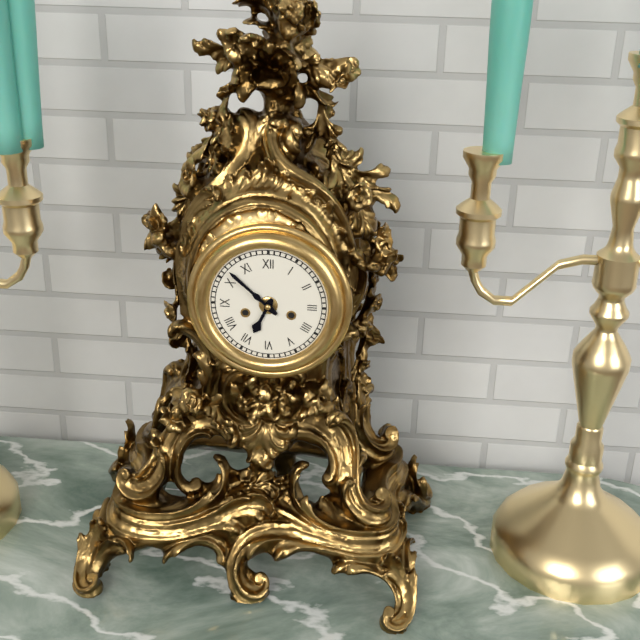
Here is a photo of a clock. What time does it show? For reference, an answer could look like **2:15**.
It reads **6:52**
